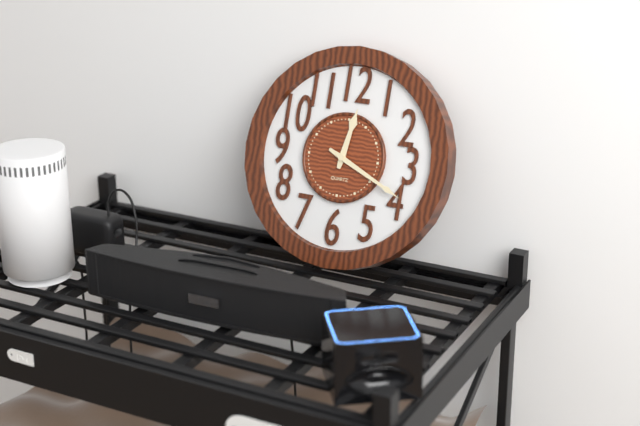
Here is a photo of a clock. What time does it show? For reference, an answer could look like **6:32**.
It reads **12:19**
